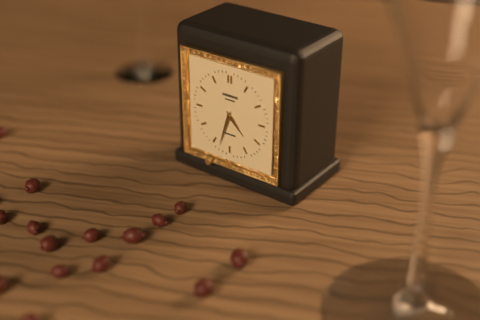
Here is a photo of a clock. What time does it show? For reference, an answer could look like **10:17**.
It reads **4:33**
